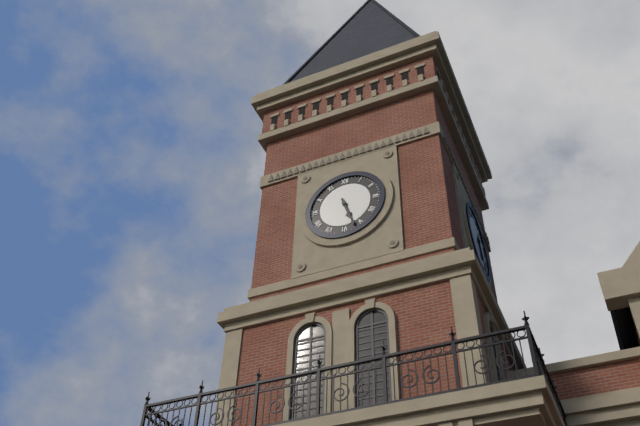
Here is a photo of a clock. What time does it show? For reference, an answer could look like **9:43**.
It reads **5:27**
